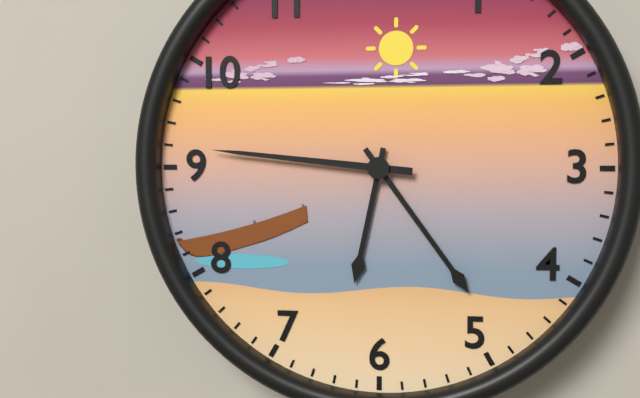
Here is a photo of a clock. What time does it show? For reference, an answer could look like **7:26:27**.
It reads **6:24:46**
